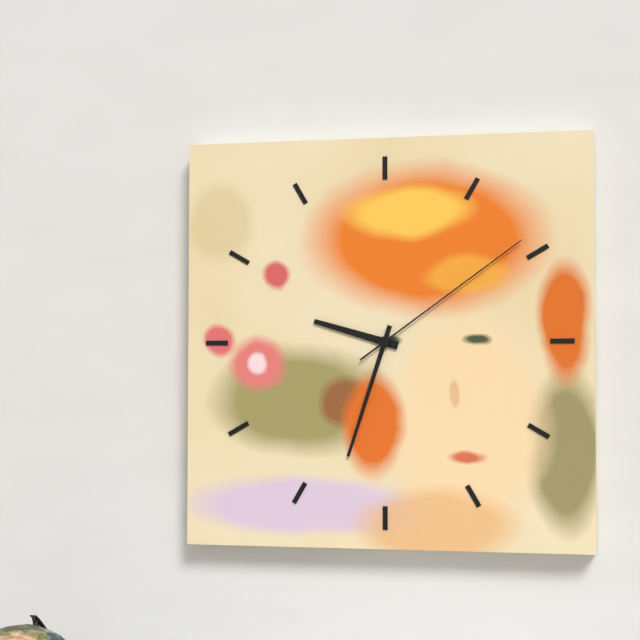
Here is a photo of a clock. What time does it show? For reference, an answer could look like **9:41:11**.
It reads **9:33:09**
